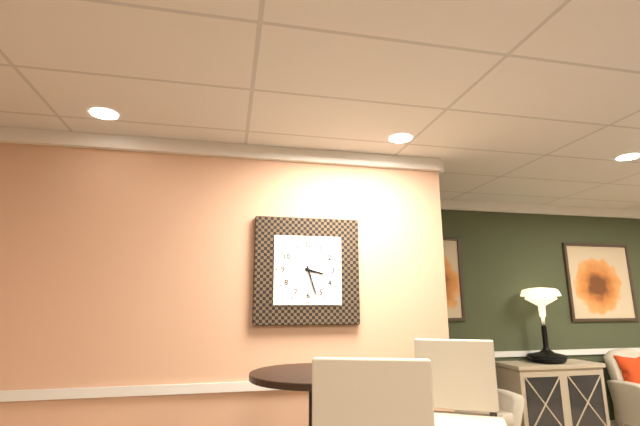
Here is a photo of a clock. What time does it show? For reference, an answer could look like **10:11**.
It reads **3:27**
